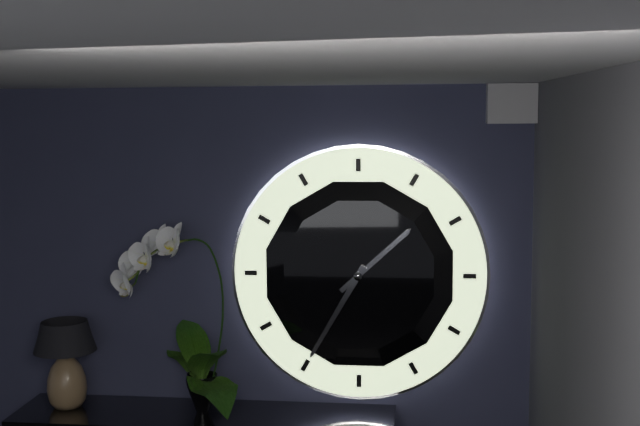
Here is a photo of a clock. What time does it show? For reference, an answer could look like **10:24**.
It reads **1:35**
